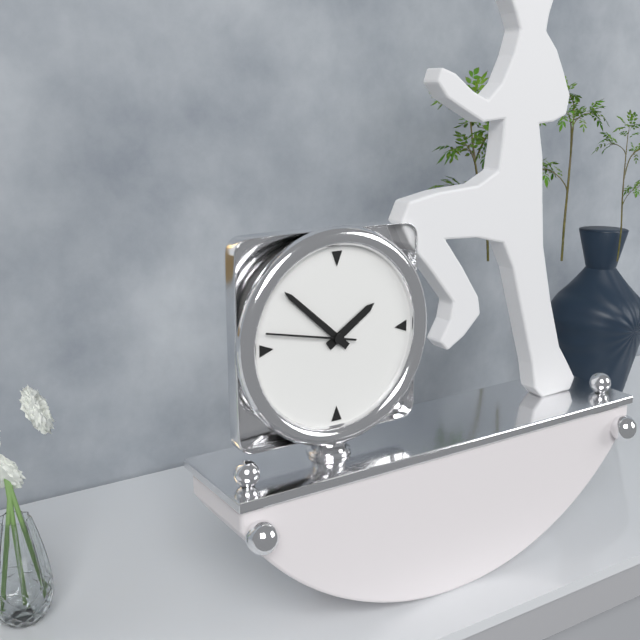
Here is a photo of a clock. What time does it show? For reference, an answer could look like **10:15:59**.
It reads **1:52:47**
